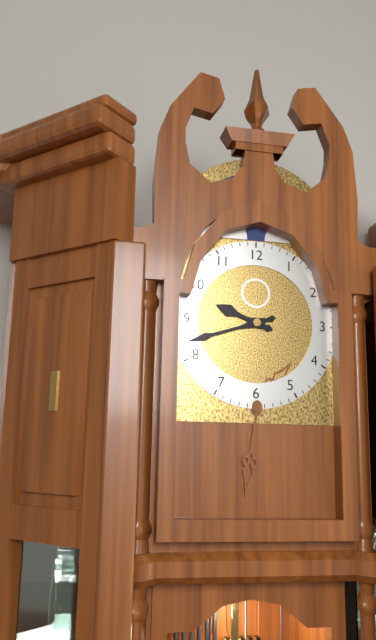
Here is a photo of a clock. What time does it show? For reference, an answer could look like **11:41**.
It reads **9:42**
